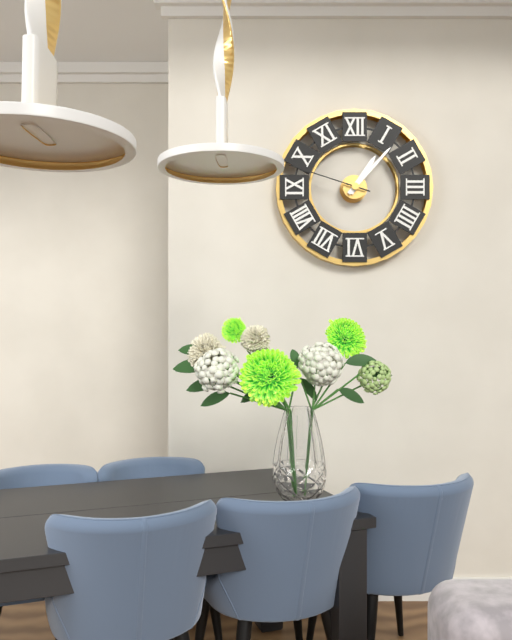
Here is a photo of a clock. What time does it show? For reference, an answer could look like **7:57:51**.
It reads **1:07:48**
